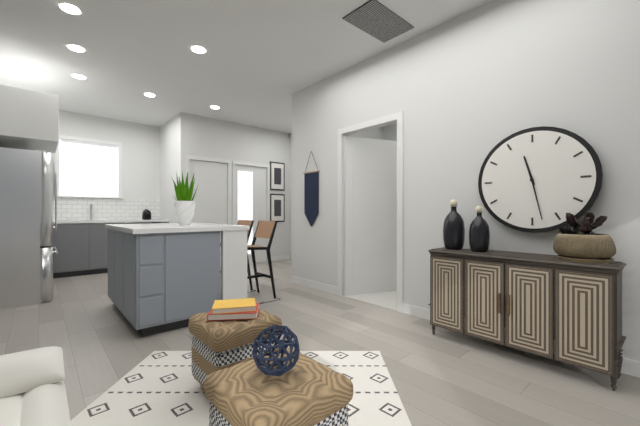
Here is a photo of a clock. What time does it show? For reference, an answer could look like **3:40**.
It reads **11:28**
